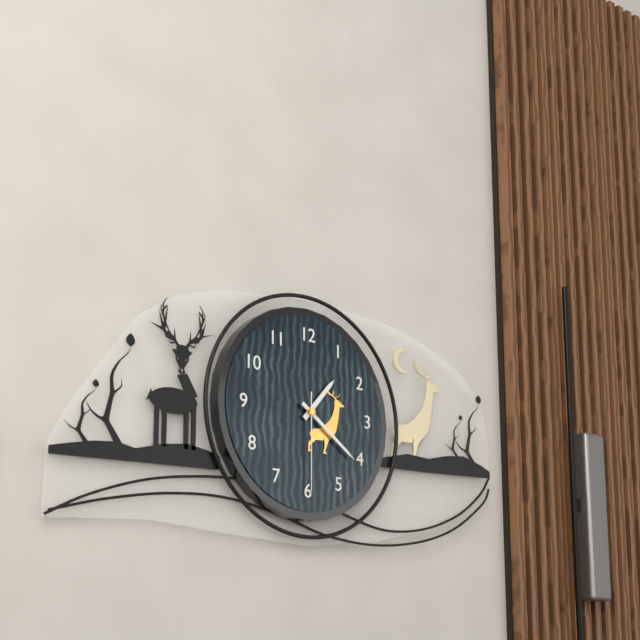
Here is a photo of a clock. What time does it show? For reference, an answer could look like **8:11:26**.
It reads **1:21:30**
